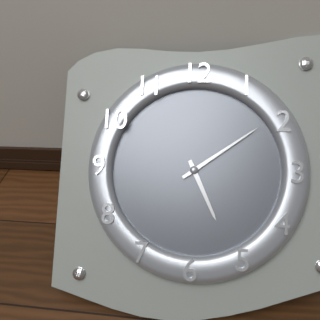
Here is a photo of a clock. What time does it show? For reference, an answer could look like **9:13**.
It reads **5:09**
